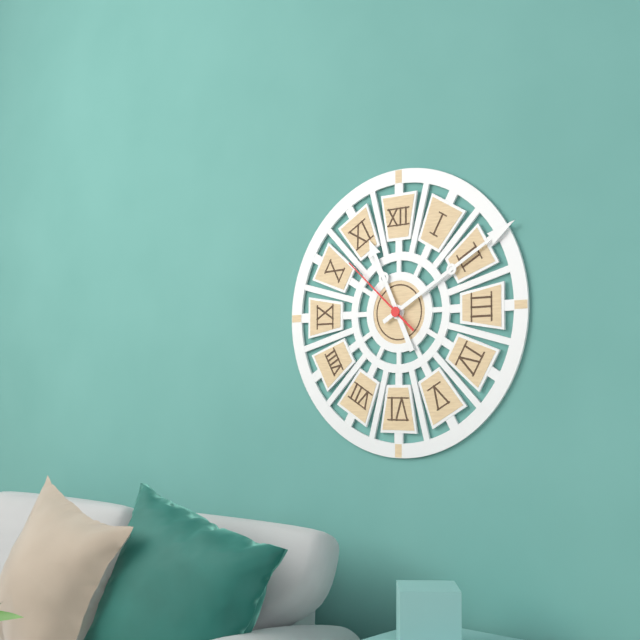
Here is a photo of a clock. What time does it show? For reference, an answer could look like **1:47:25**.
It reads **11:10:52**
